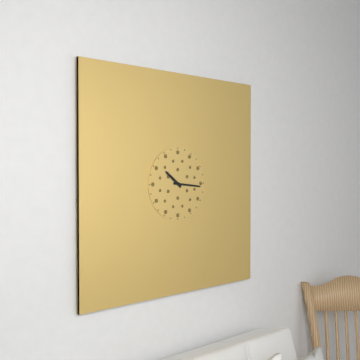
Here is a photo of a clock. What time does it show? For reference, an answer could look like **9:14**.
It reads **10:16**
